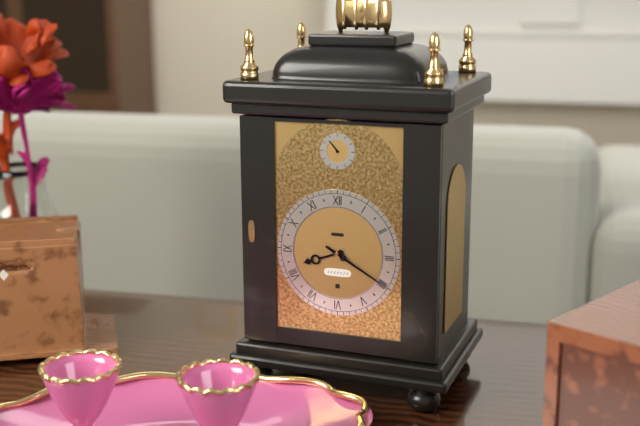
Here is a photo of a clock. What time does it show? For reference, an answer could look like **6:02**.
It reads **8:20**
